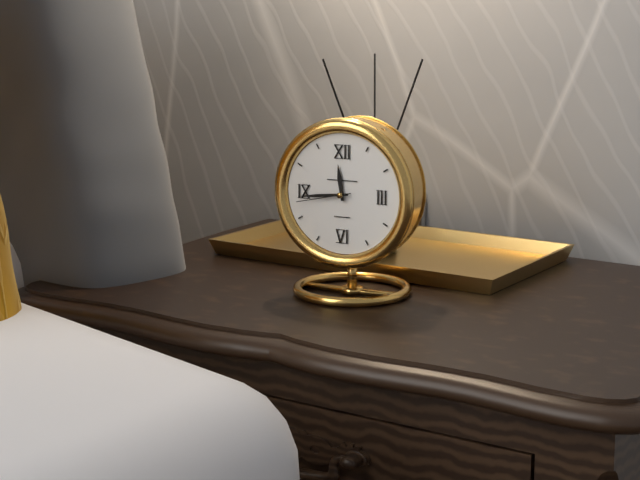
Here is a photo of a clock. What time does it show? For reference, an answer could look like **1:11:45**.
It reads **11:44:43**
